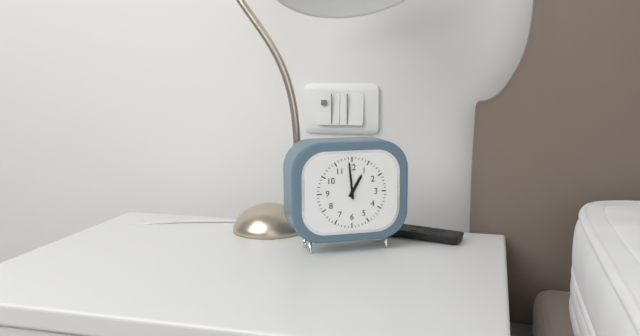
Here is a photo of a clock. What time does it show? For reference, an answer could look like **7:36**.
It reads **12:59**
